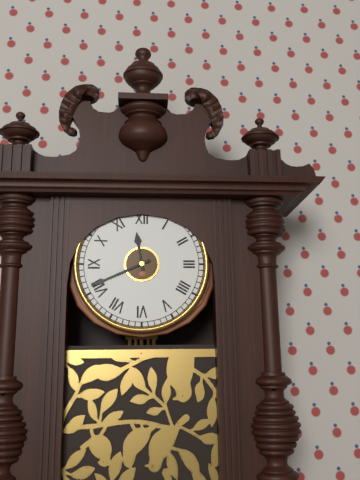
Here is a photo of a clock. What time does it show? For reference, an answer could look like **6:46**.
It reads **11:41**
